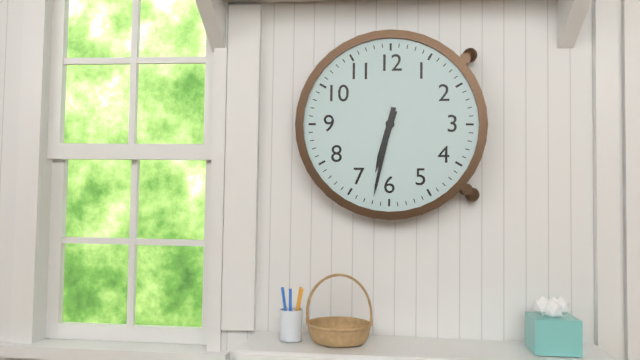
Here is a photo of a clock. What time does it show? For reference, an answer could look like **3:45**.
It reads **6:32**
